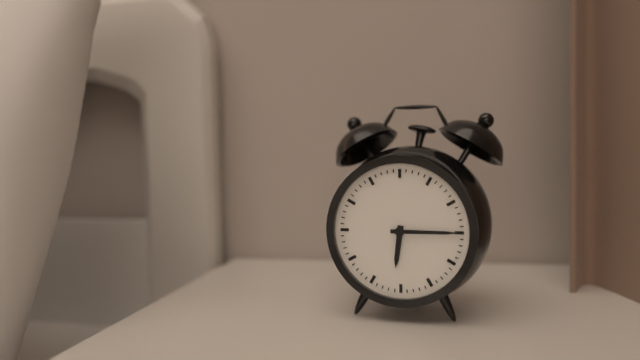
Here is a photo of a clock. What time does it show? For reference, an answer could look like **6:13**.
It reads **6:15**
